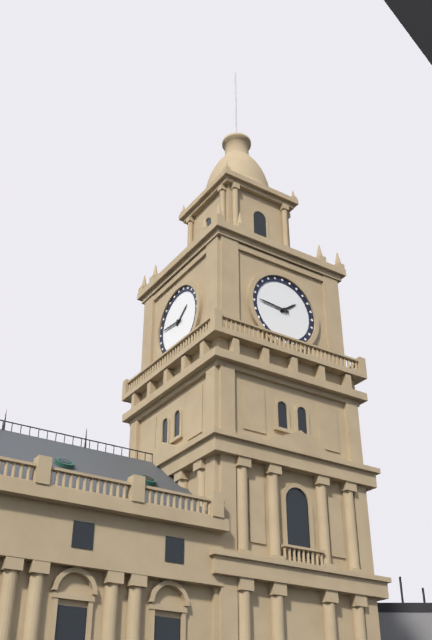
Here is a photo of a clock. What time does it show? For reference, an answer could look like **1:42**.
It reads **1:46**
